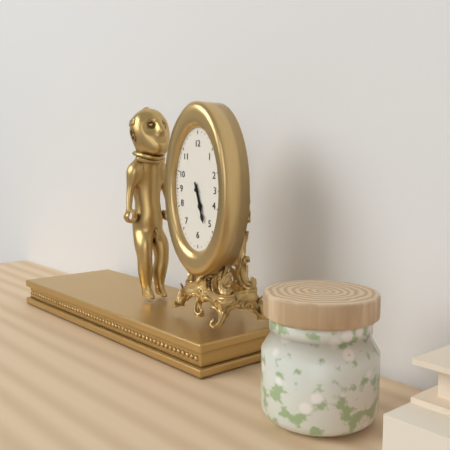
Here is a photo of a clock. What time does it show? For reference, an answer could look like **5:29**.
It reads **5:27**
